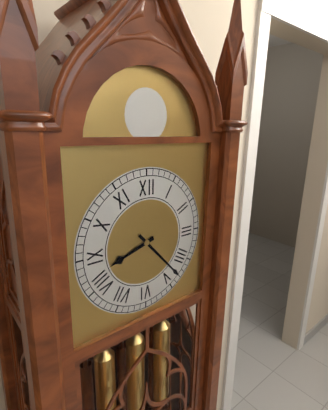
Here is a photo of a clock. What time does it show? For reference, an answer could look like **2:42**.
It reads **8:23**
